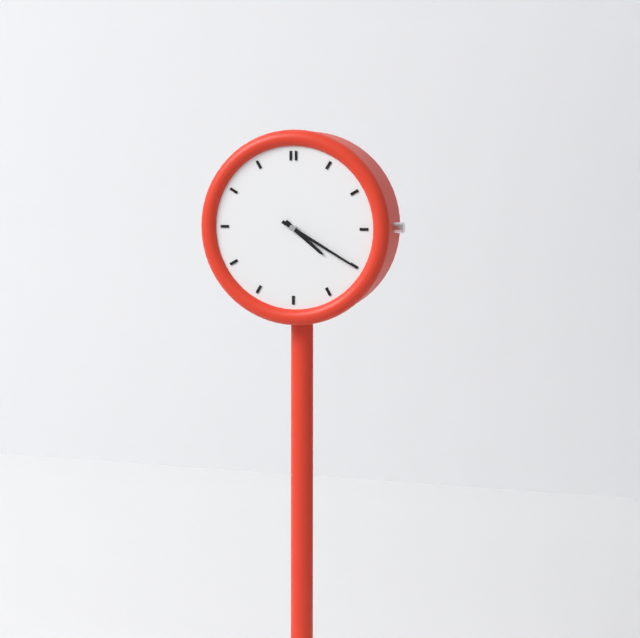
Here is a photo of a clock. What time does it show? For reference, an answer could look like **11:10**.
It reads **4:20**
